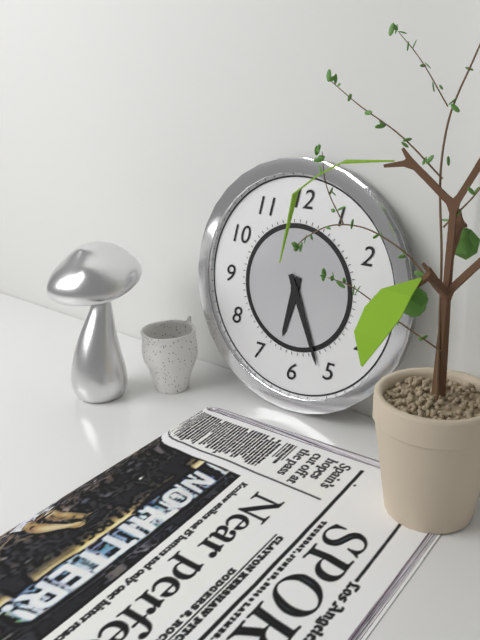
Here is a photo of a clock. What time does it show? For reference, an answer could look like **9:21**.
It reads **6:26**
